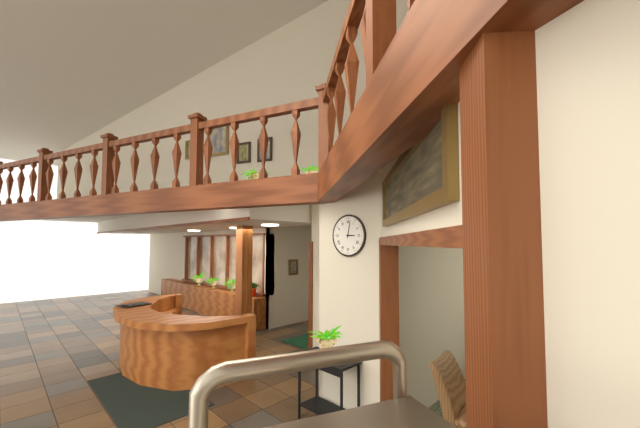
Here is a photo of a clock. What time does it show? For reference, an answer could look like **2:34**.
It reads **3:02**
